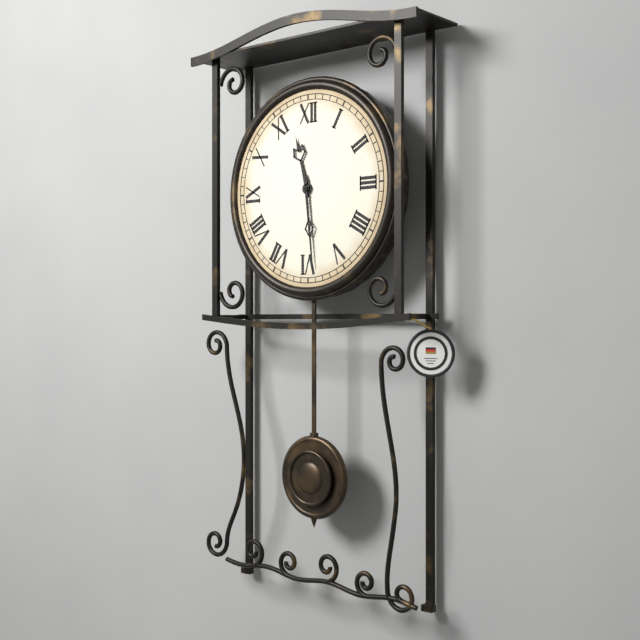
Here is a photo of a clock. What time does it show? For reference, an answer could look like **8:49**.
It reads **11:29**
